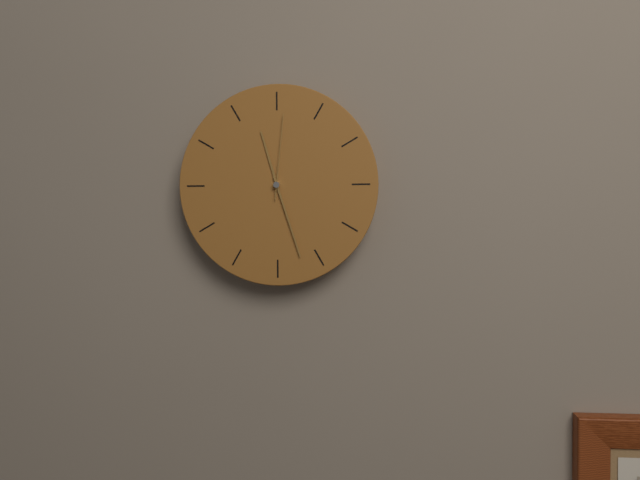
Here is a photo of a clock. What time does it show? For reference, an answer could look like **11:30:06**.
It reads **11:27:01**
